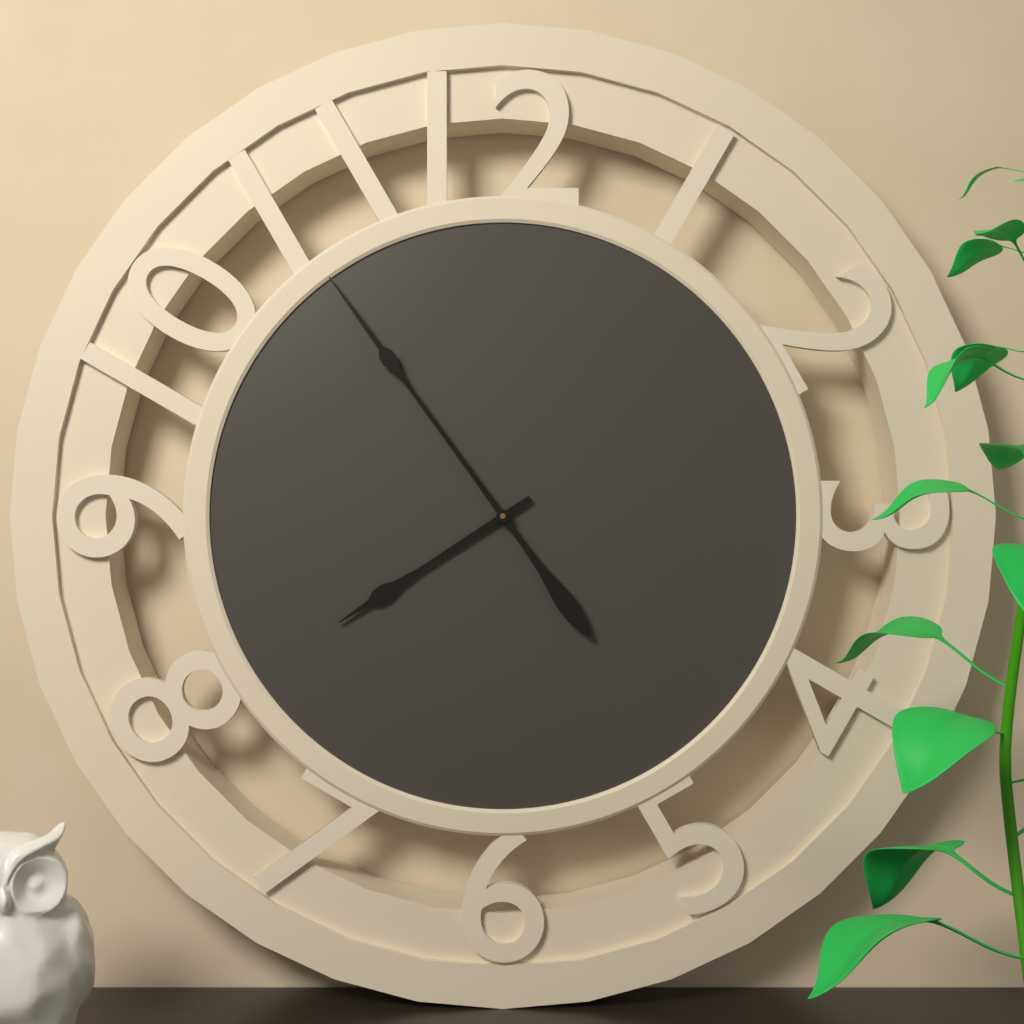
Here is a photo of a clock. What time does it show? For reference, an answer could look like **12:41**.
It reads **7:54**
